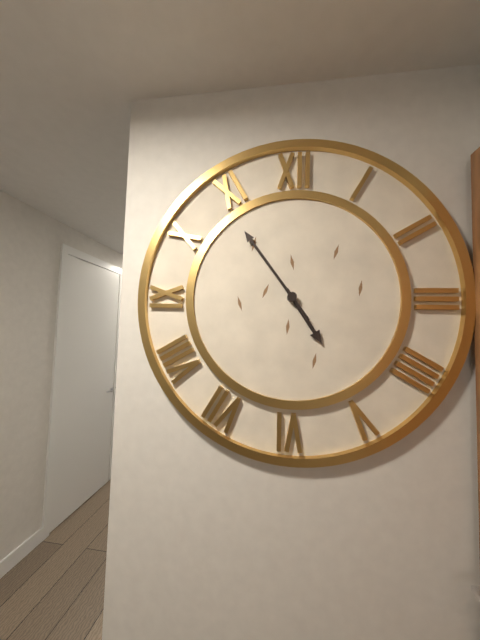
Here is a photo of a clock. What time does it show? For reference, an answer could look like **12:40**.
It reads **4:54**
